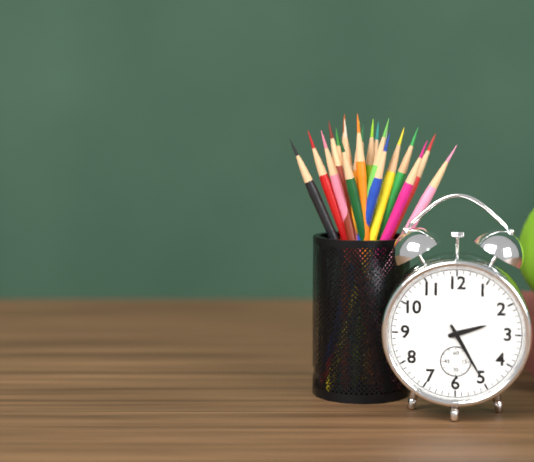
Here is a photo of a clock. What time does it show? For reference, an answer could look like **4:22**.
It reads **2:25**
